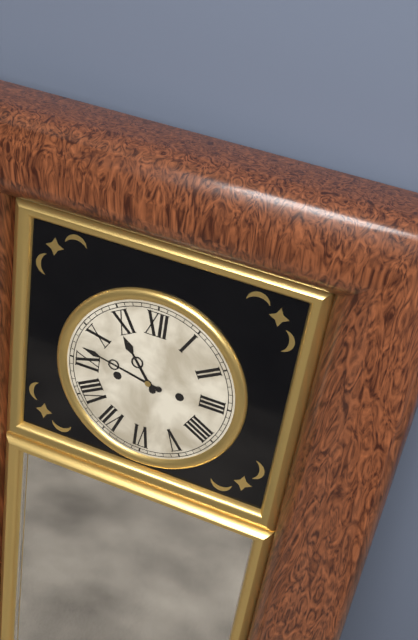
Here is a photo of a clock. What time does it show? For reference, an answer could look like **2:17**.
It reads **10:47**
